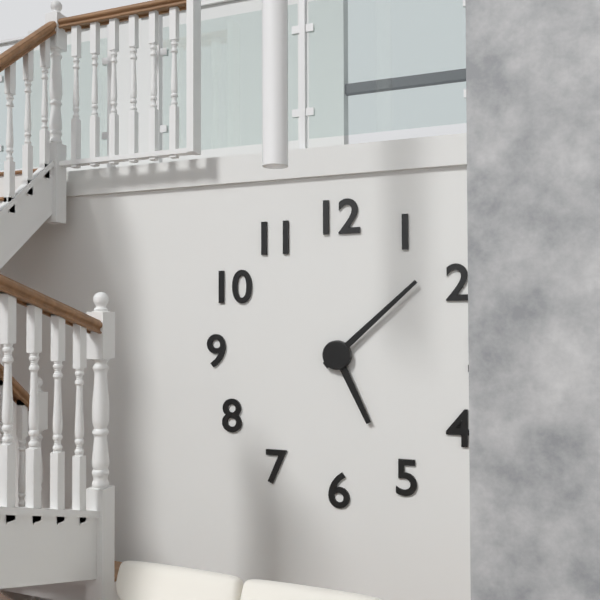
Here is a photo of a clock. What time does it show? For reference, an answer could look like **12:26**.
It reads **5:08**
